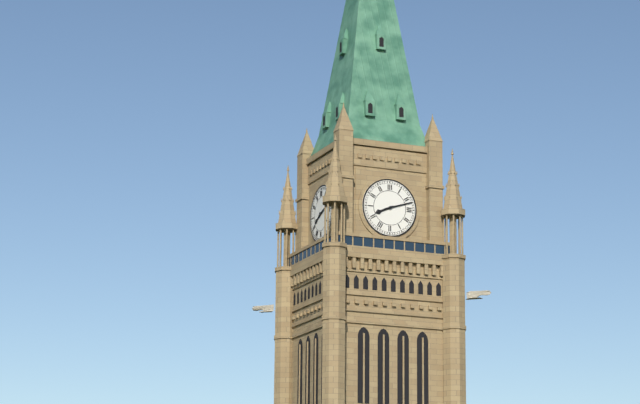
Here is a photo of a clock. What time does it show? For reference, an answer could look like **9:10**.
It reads **8:12**
